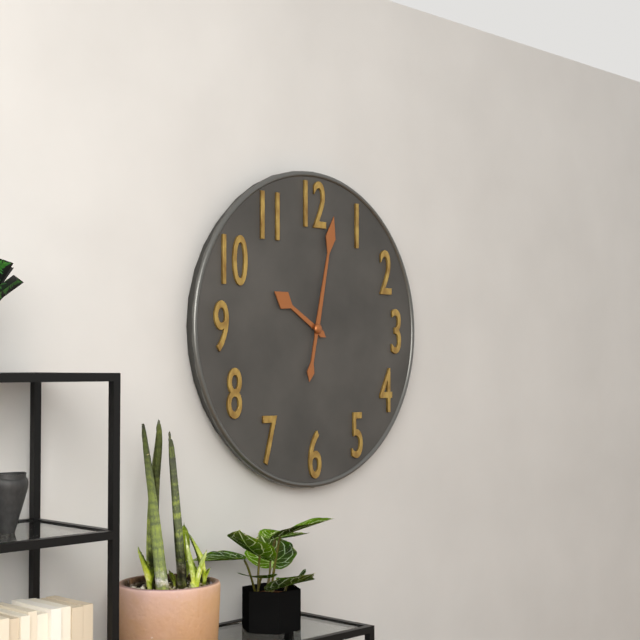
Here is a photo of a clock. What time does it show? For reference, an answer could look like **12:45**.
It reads **10:02**
